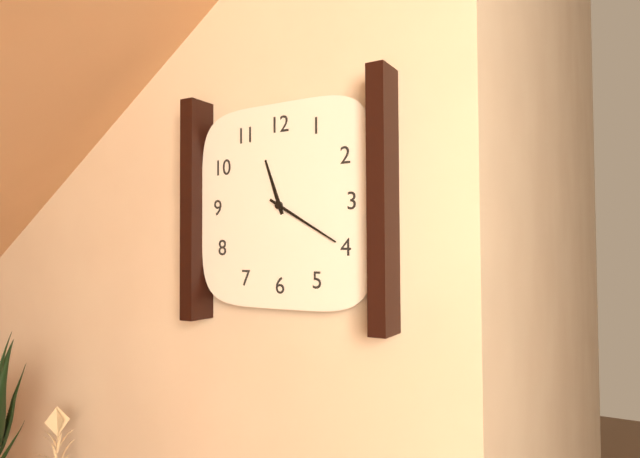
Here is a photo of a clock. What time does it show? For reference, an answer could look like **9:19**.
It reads **11:20**
